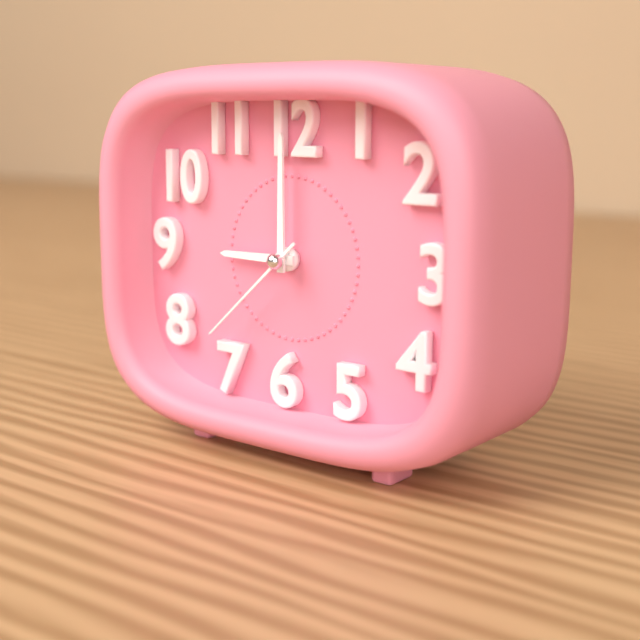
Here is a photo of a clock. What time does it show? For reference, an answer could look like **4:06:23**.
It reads **9:00:38**
